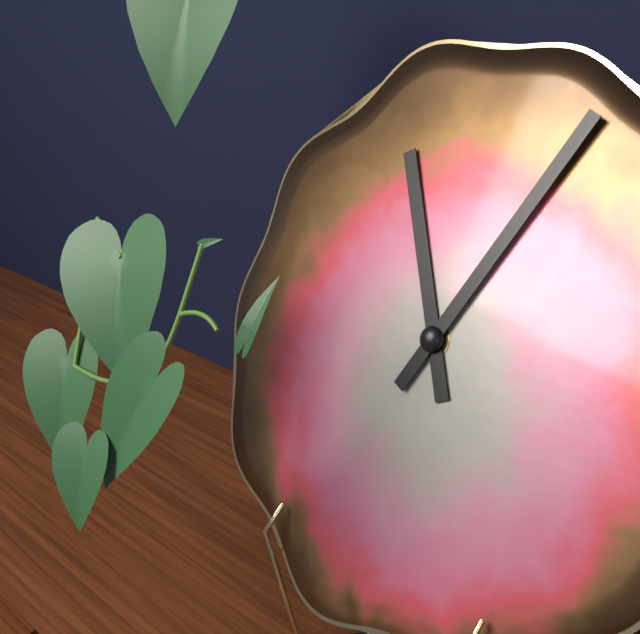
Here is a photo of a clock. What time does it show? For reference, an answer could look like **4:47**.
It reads **11:04**
